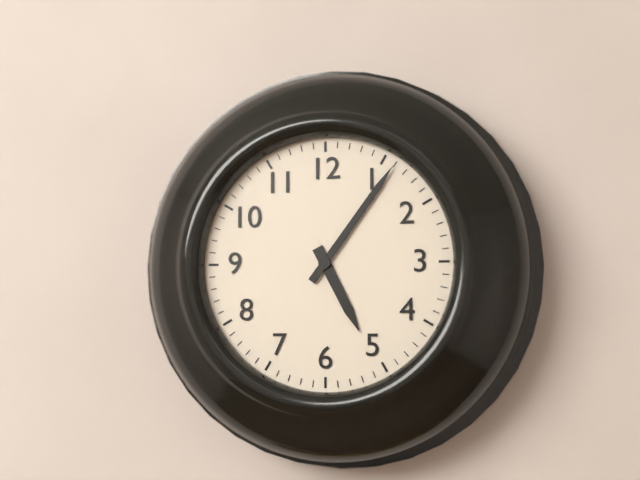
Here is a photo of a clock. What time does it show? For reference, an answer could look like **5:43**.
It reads **5:06**
